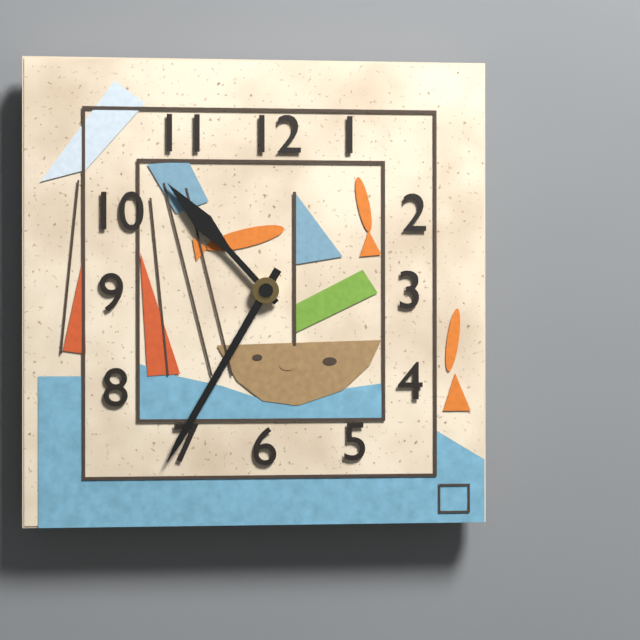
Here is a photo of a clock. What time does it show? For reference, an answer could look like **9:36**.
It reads **10:35**
